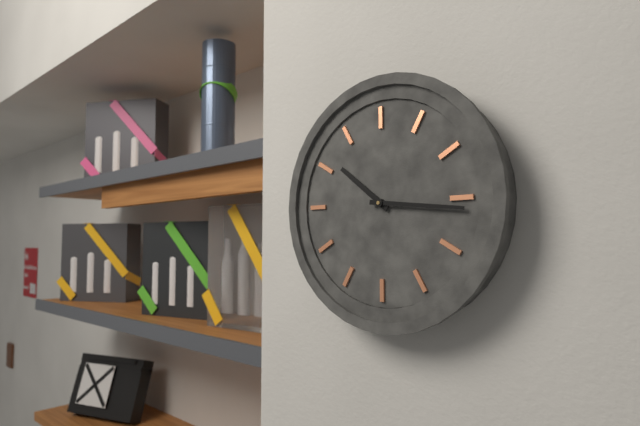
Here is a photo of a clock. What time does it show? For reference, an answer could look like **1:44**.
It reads **10:16**
